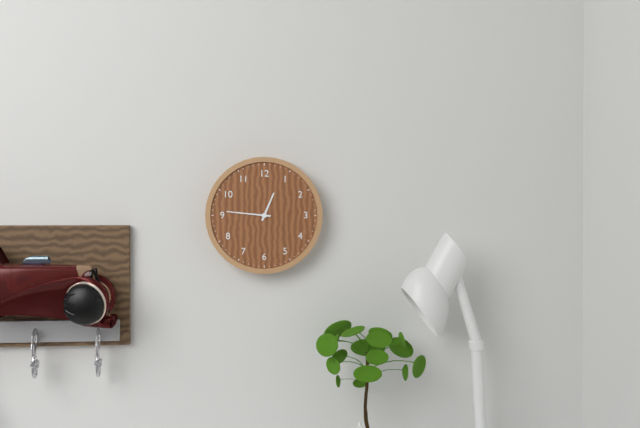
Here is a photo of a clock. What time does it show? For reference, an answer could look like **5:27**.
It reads **12:46**
